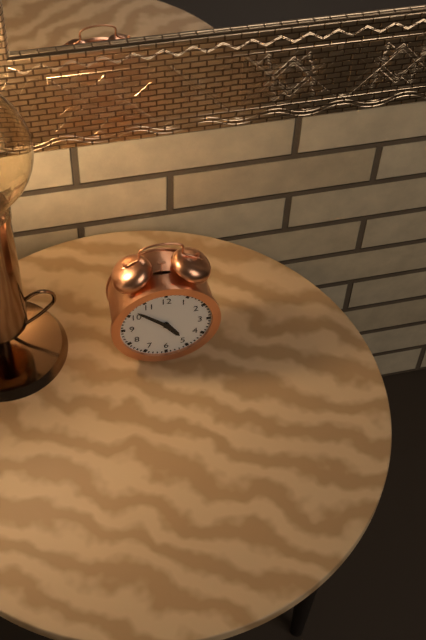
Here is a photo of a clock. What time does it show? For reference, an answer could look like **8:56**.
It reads **4:52**
